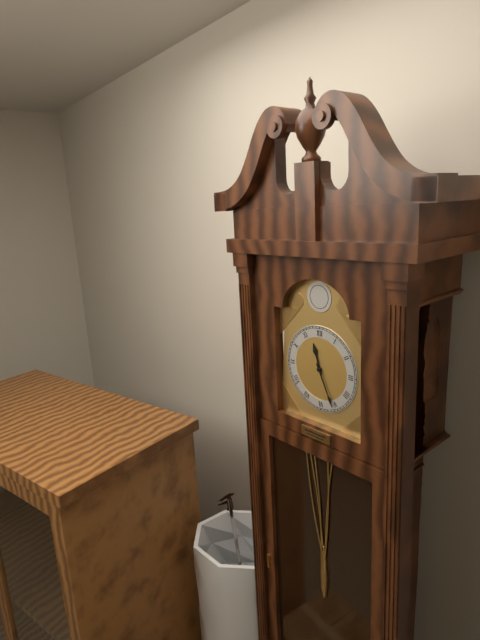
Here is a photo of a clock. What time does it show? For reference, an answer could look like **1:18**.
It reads **11:26**
